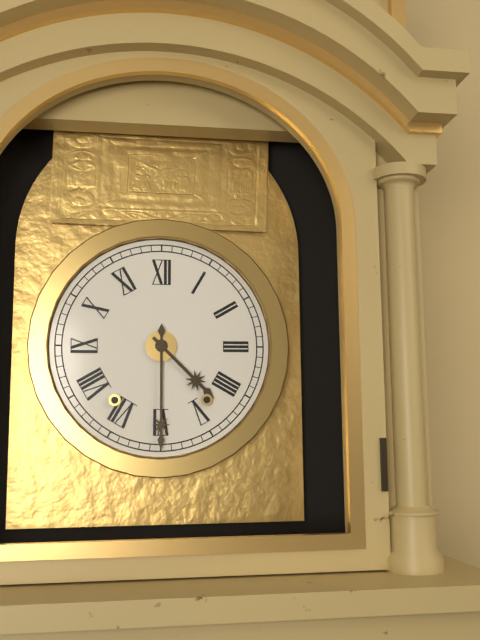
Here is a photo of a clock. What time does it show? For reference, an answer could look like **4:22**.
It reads **4:30**
